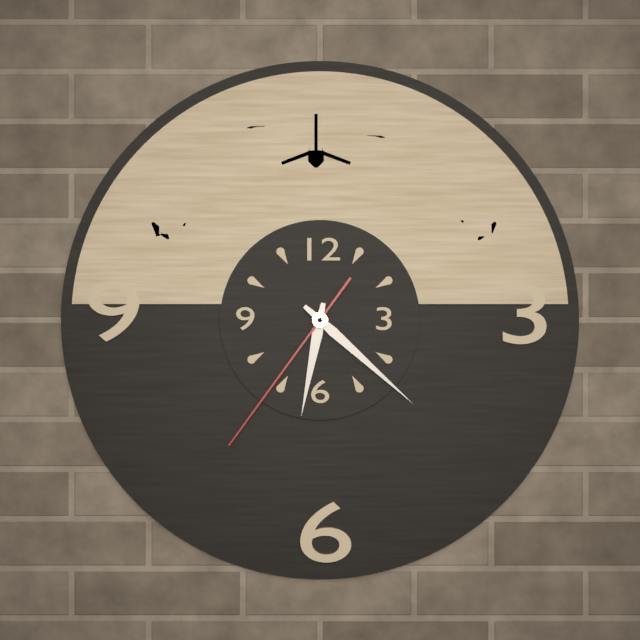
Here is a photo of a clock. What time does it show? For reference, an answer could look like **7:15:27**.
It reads **6:22:36**
